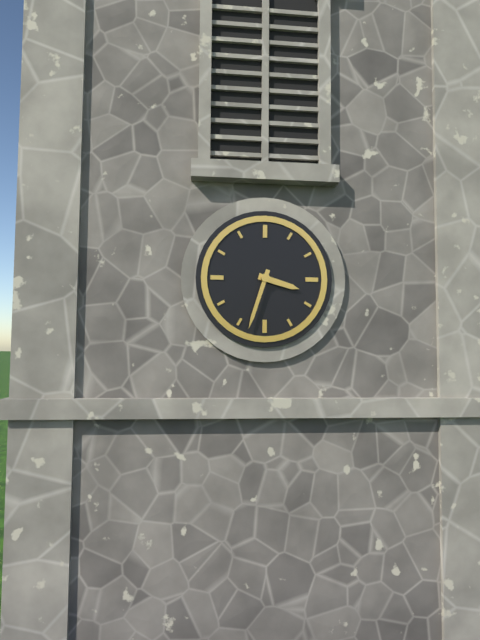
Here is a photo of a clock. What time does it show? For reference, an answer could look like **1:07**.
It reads **3:33**
